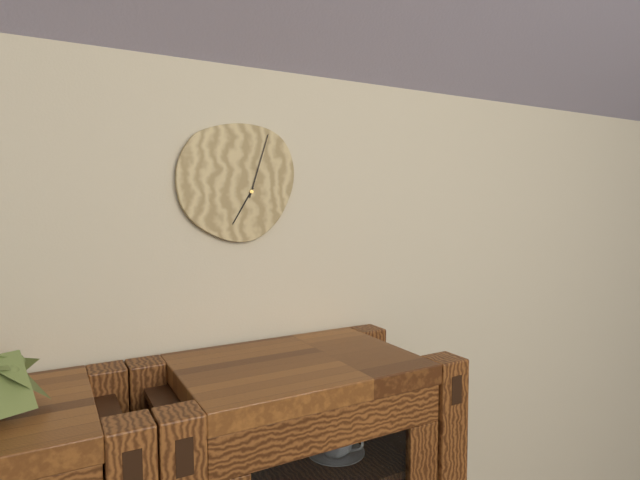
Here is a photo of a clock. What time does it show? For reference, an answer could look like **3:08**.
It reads **7:03**
